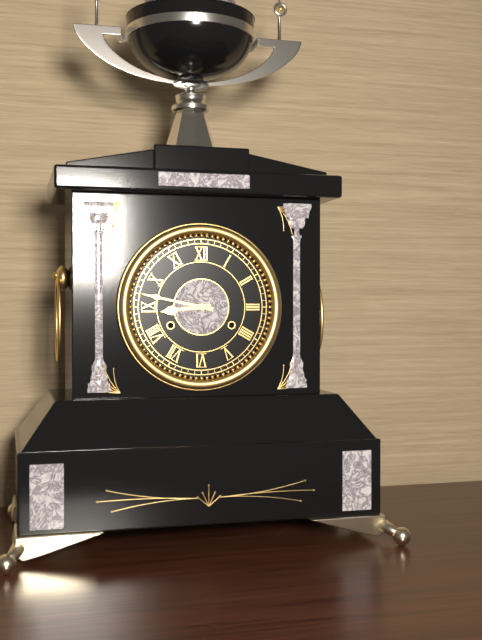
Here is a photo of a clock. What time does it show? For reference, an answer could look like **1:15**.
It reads **8:47**
